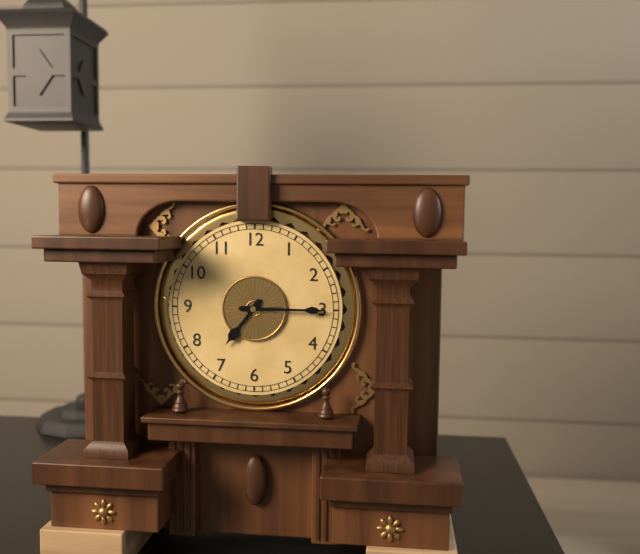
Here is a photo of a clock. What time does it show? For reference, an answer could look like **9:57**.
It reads **7:15**
